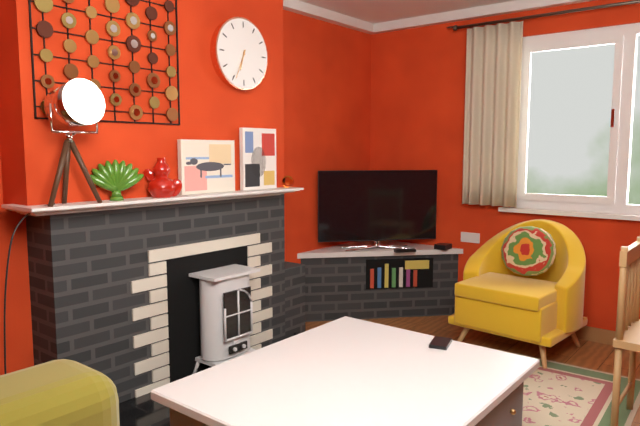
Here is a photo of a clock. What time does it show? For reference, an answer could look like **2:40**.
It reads **6:34**
